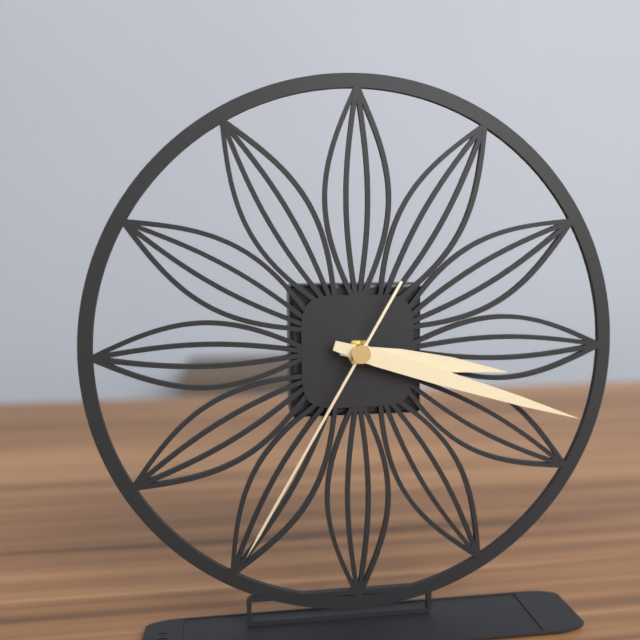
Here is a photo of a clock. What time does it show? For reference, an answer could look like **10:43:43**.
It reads **3:18:35**
